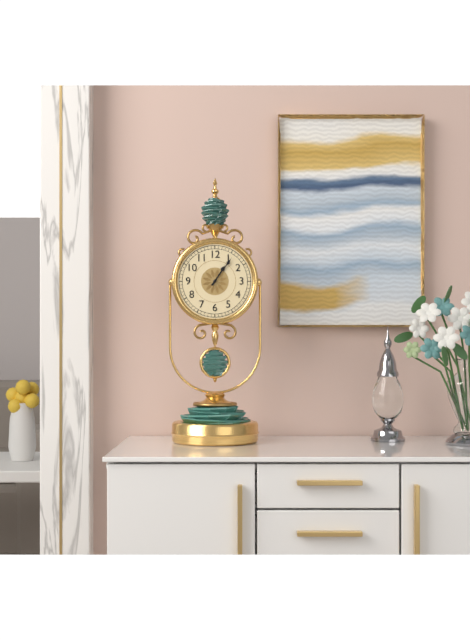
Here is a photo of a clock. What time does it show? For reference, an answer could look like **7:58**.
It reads **1:06**
